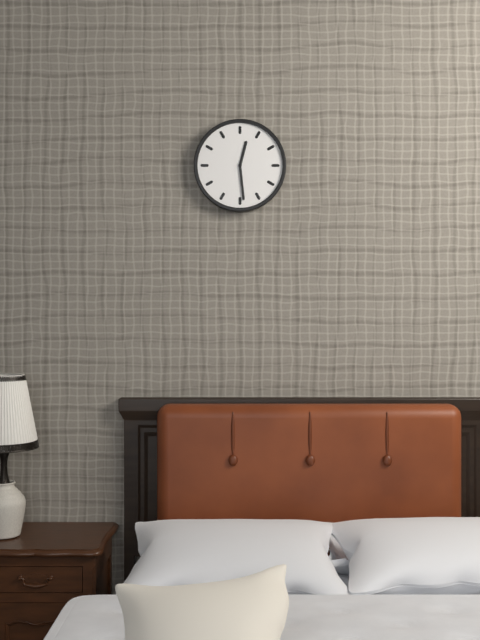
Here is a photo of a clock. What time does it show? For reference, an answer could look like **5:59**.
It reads **12:29**
